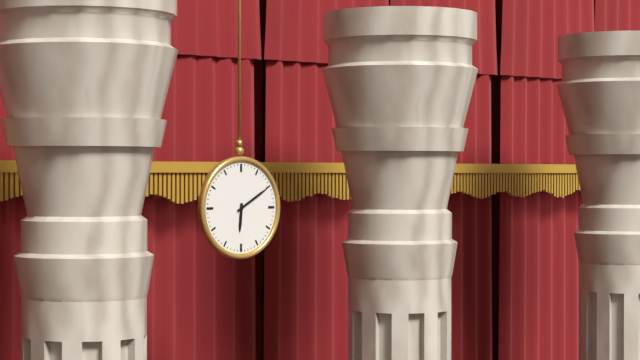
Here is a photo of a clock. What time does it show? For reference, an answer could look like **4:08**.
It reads **6:10**
